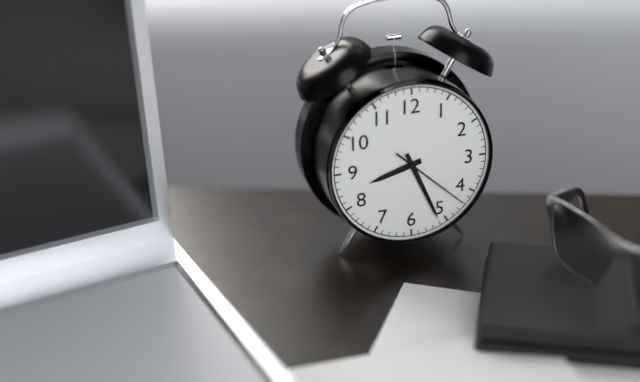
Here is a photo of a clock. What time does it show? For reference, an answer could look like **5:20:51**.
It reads **8:26:22**
